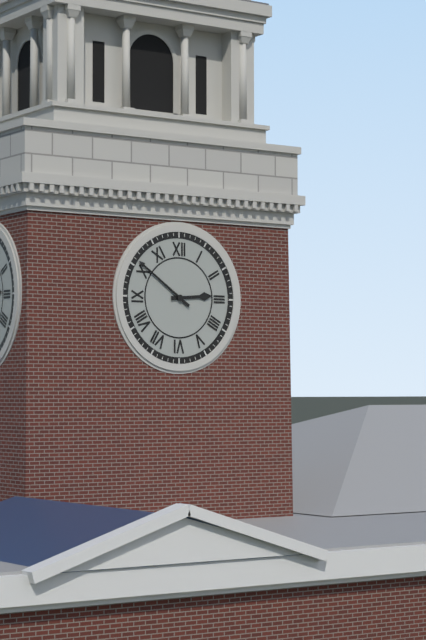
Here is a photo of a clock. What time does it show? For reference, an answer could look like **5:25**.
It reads **2:51**
